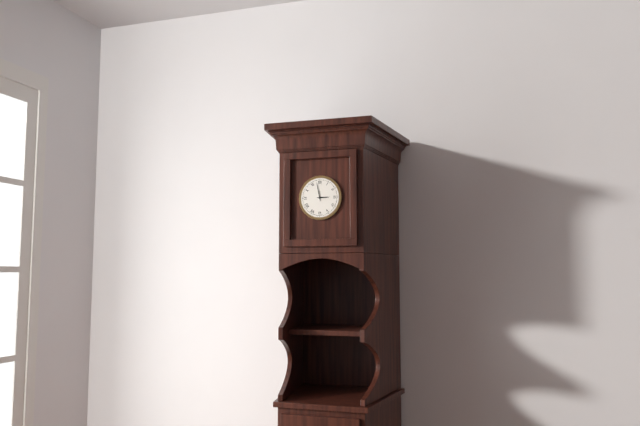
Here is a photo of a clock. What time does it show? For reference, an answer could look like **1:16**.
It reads **2:58**
